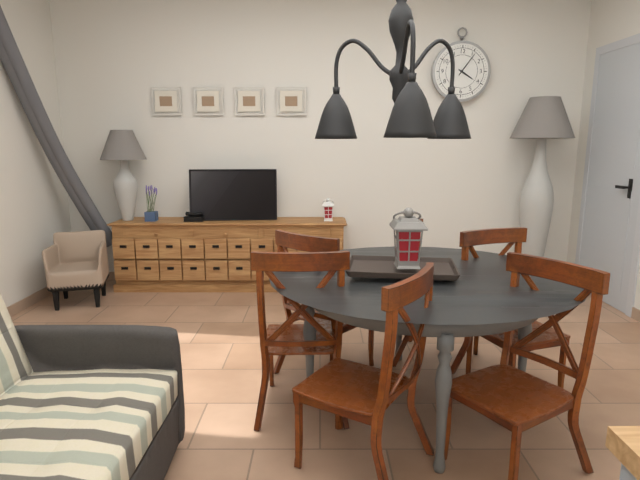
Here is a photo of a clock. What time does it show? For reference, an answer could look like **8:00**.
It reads **4:06**
